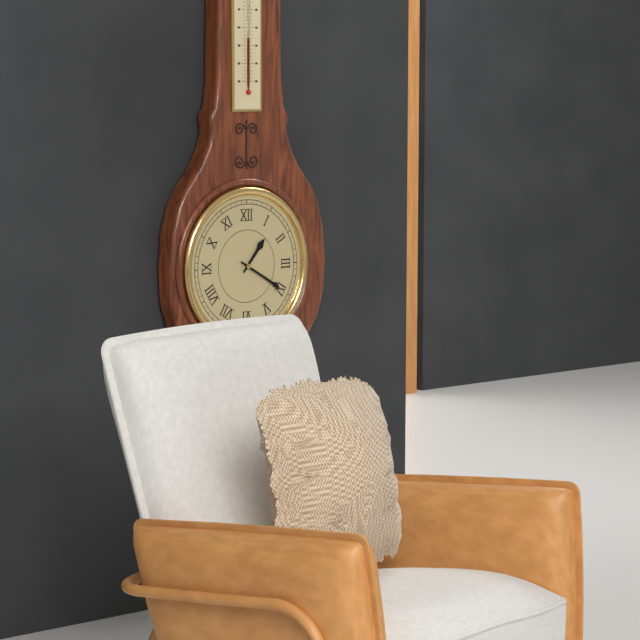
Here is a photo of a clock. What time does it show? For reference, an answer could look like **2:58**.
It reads **1:20**
